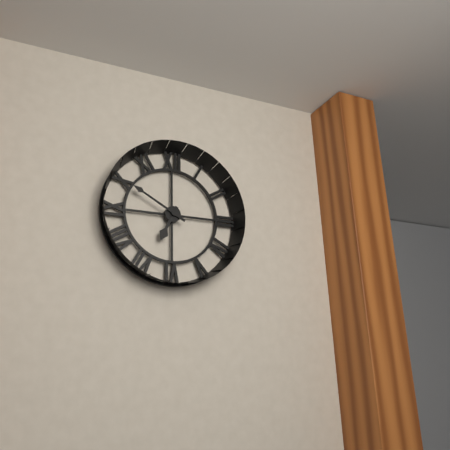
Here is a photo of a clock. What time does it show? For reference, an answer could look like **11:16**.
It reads **6:50**
